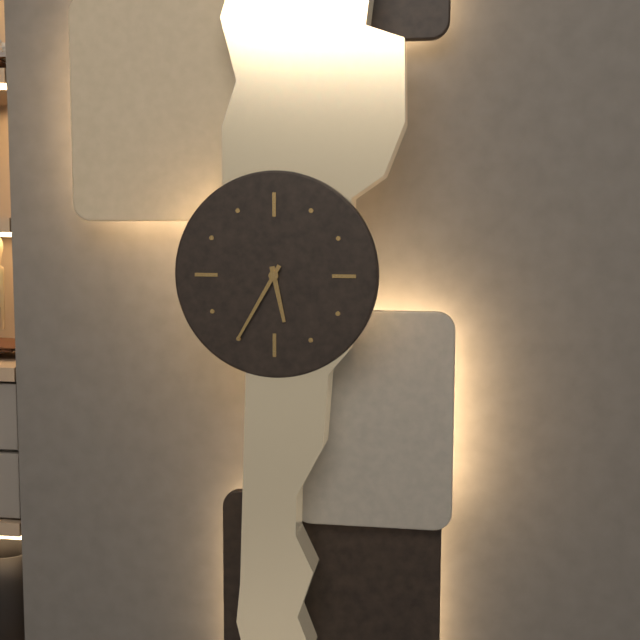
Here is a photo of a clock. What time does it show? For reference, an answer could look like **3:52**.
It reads **5:35**
